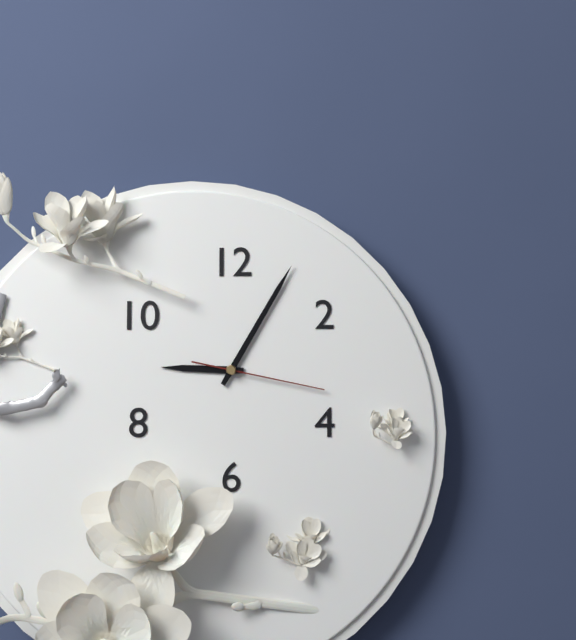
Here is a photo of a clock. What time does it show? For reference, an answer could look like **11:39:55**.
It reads **9:05:17**
